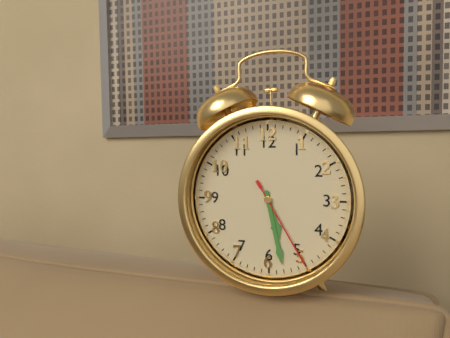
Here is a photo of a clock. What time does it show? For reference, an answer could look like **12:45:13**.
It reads **5:28:25**
